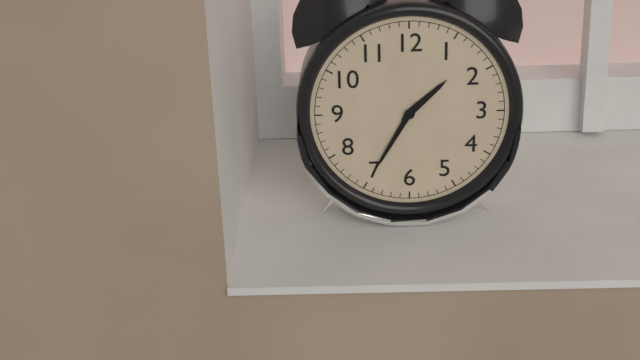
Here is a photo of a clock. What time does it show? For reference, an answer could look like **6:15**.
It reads **1:35**
